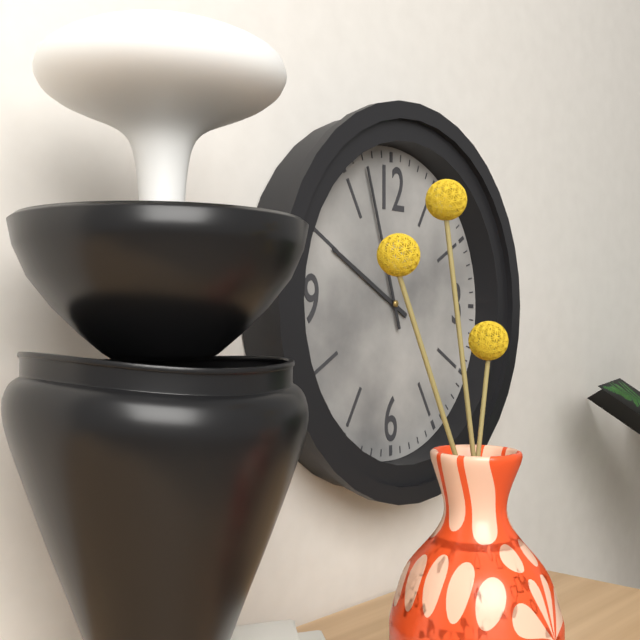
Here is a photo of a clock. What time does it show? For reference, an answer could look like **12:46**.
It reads **9:57**
